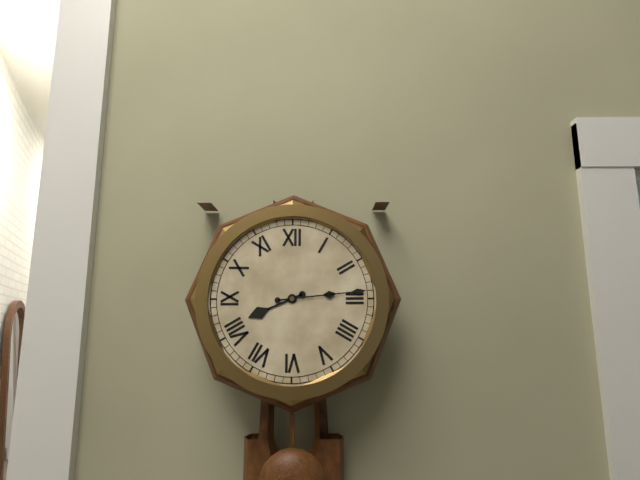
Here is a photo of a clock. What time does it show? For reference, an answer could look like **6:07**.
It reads **8:14**
